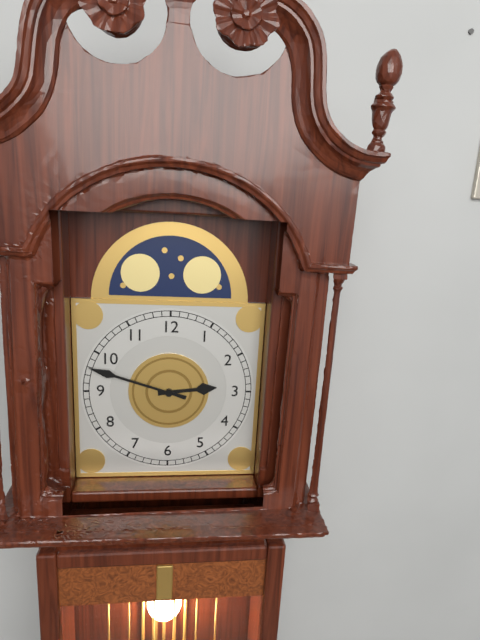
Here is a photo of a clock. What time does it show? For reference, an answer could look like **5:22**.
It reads **2:48**
